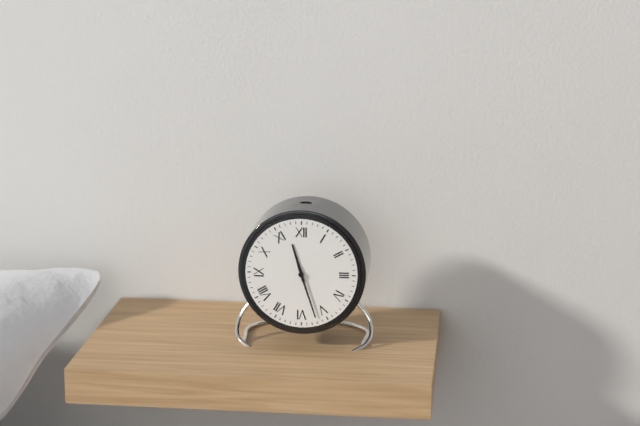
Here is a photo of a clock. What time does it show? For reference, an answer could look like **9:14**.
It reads **11:27**
